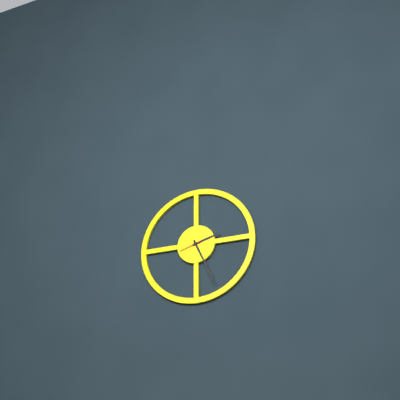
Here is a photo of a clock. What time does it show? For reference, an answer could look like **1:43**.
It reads **2:26**
